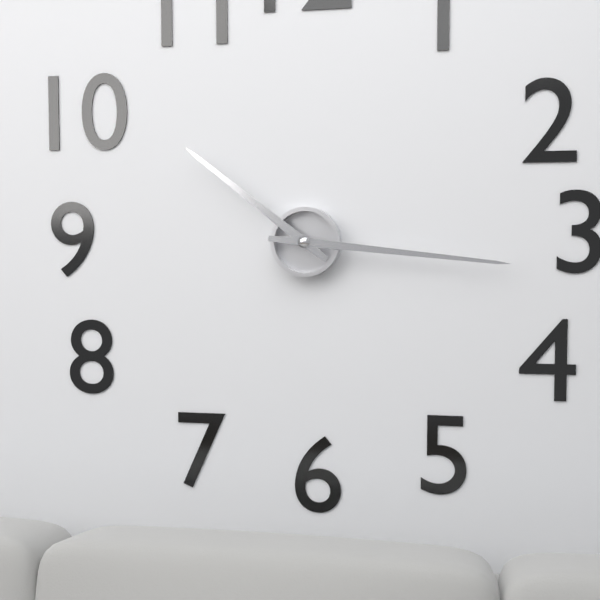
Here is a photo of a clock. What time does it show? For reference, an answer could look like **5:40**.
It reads **10:16**
